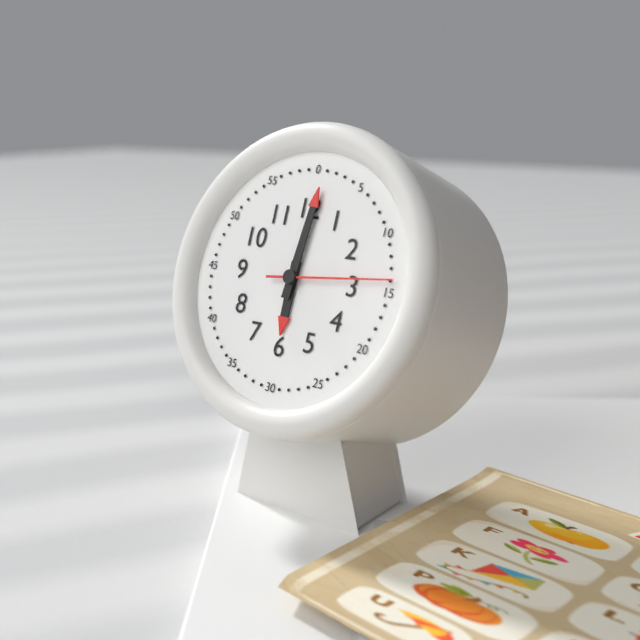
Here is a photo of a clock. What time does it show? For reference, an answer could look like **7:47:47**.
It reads **6:01:14**
